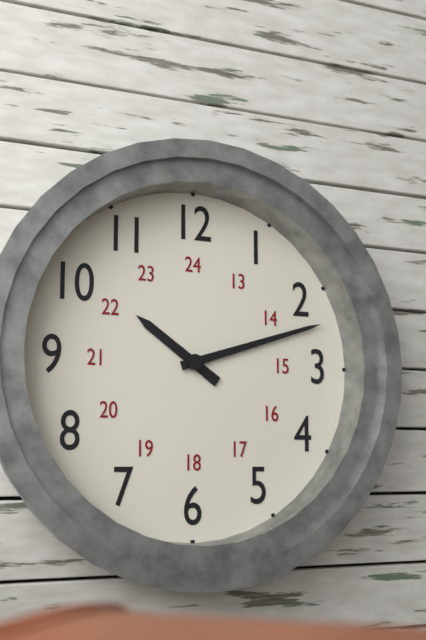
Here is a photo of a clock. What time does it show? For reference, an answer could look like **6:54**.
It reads **10:12**
